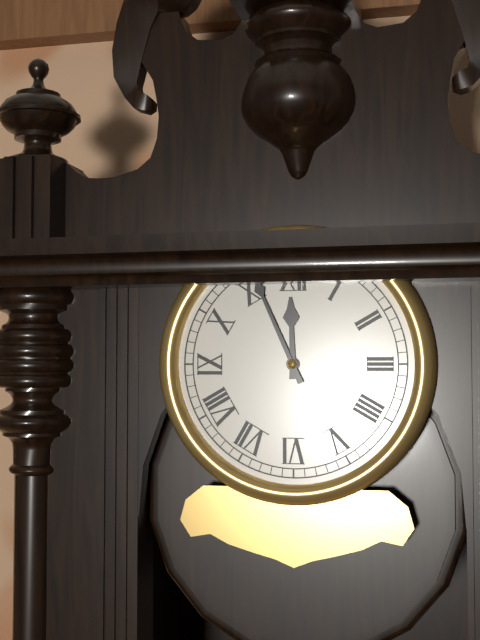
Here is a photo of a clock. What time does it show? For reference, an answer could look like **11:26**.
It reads **11:56**
